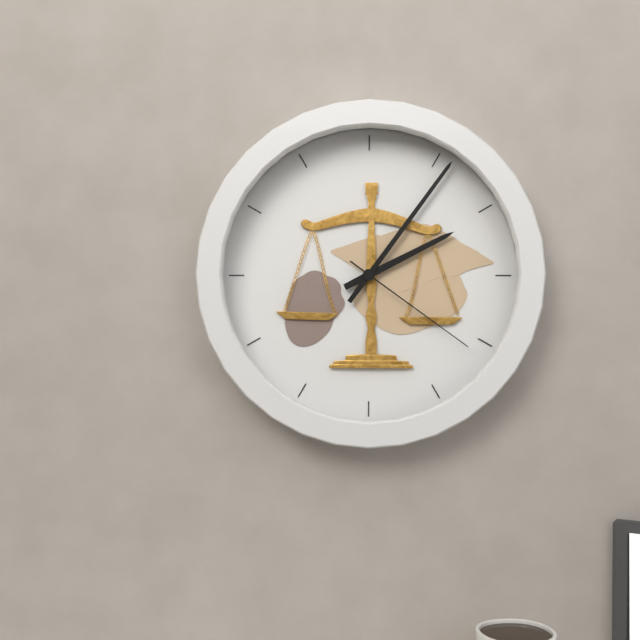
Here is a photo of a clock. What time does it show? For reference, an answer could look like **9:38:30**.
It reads **2:06:21**
